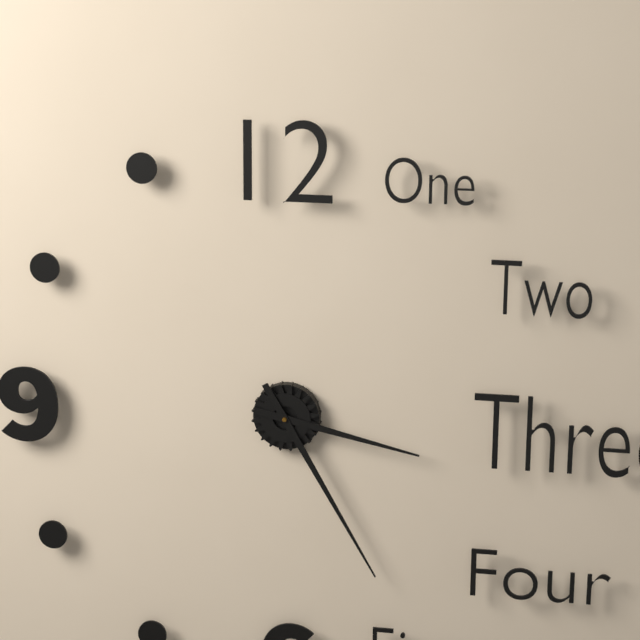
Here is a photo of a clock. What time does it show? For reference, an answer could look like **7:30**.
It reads **3:25**
